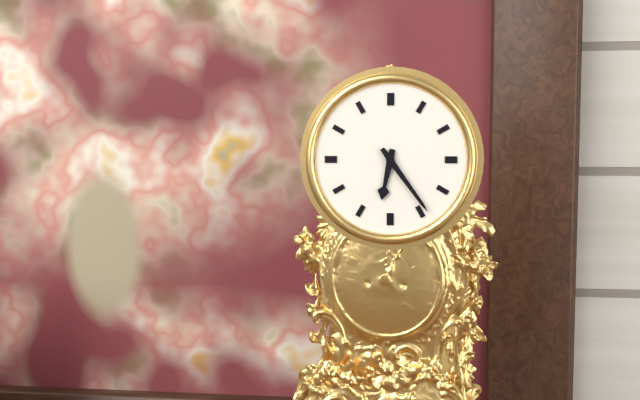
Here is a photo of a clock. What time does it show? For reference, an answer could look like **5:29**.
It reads **6:24**
